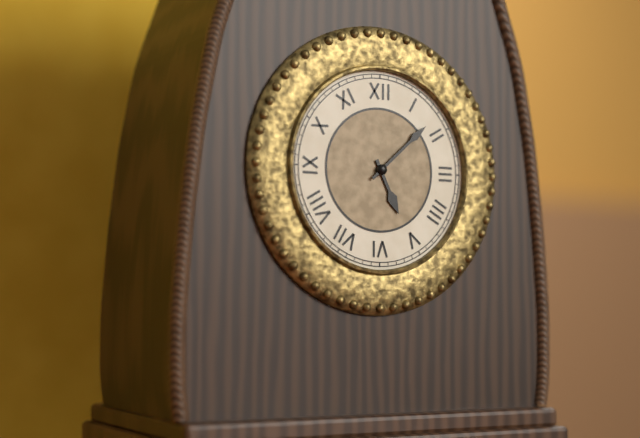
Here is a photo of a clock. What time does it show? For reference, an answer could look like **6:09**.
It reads **5:08**
